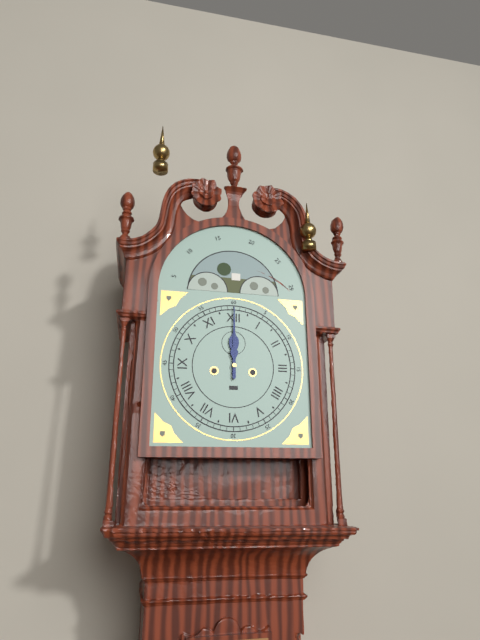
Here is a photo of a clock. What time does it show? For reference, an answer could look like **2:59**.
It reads **12:00**
